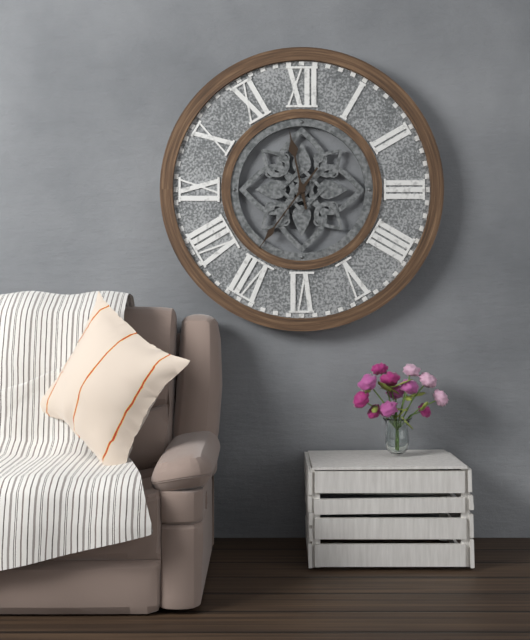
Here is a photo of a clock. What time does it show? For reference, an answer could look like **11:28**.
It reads **11:36**
